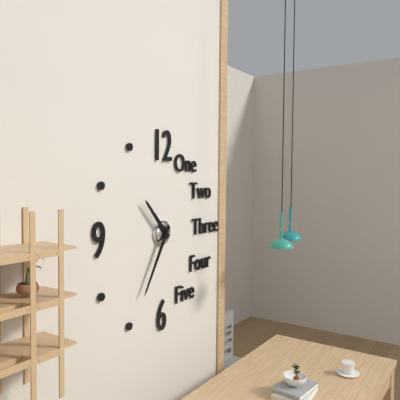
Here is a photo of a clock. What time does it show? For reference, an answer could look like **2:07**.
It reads **10:35**
